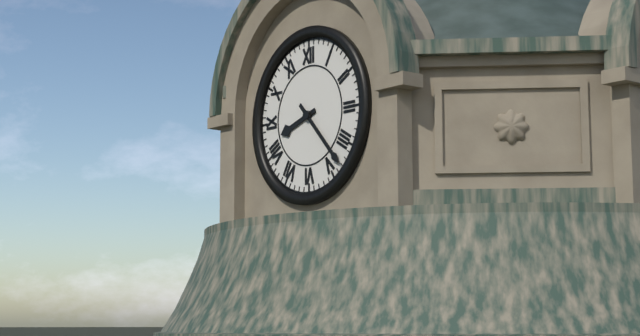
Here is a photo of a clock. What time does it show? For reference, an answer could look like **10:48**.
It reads **8:23**
